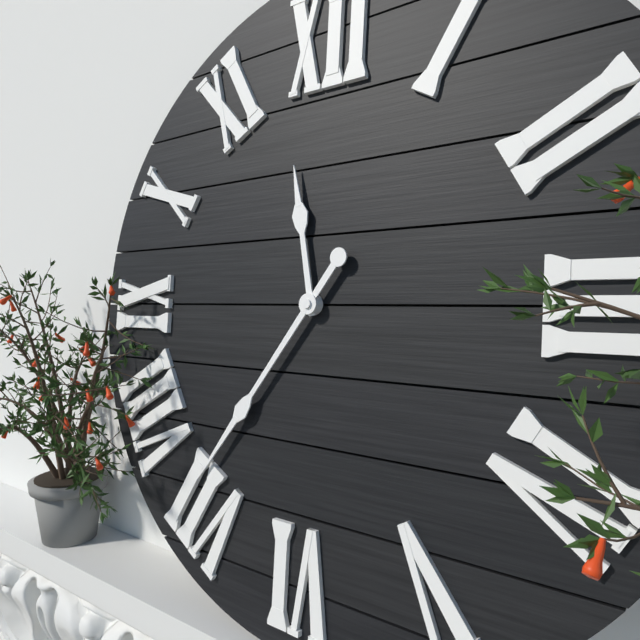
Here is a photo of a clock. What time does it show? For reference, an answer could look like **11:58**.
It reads **11:36**
